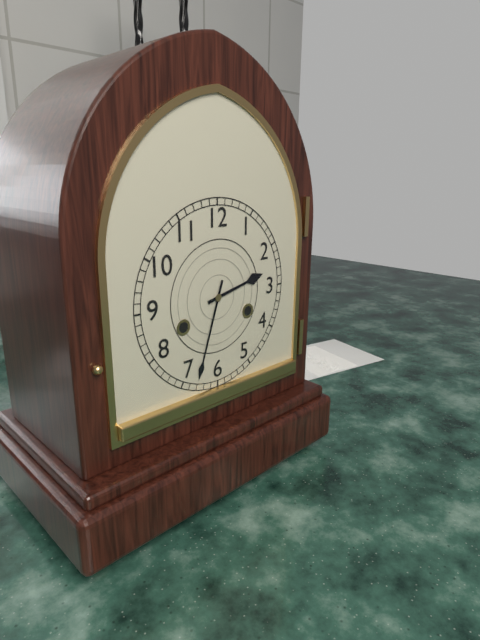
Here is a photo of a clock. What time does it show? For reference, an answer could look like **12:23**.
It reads **2:33**
